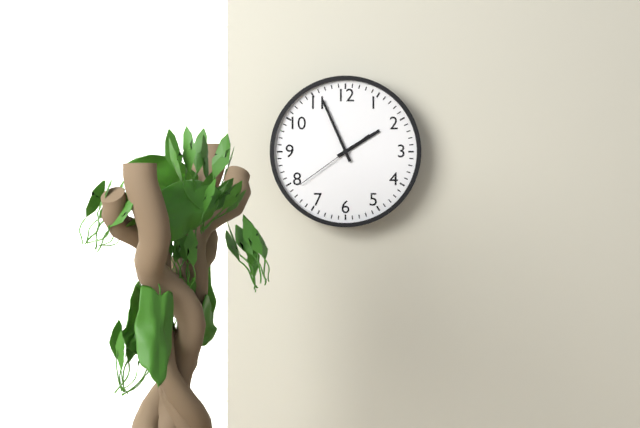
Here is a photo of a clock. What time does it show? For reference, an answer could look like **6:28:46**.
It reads **1:56:39**
